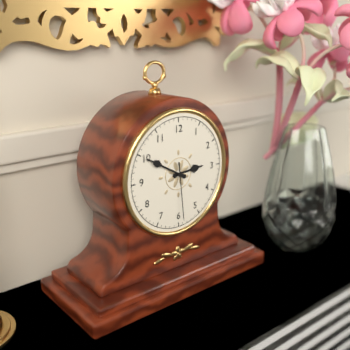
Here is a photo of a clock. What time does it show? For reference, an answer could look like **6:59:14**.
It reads **2:50:29**
